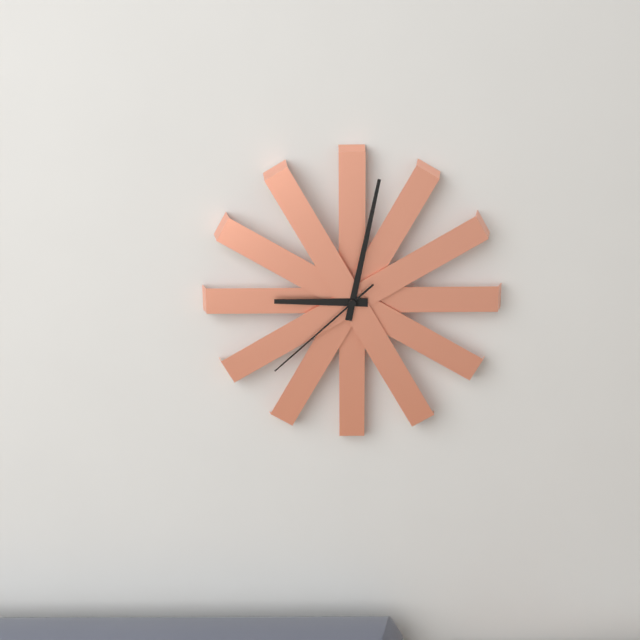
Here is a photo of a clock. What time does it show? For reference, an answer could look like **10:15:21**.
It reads **9:02:38**
